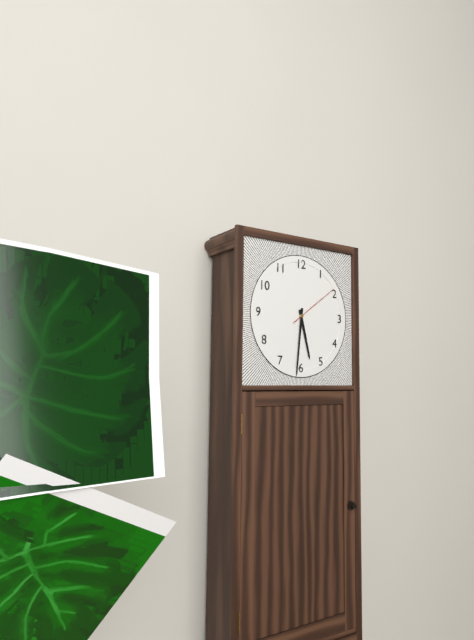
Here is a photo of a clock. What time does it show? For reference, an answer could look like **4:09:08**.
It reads **5:31:09**
